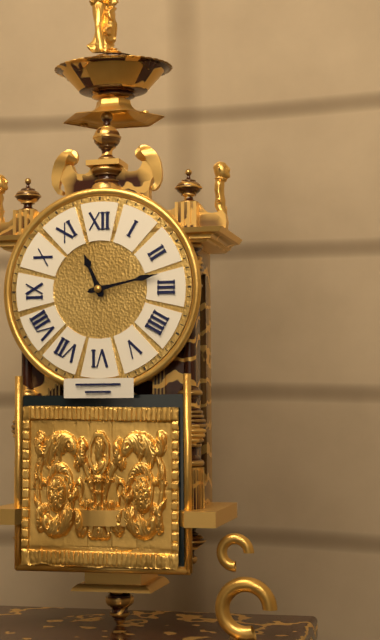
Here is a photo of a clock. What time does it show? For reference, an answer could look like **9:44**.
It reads **11:13**
